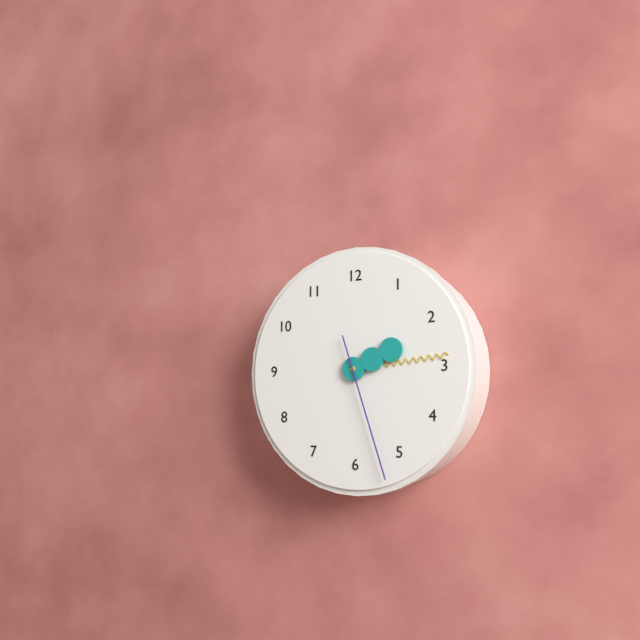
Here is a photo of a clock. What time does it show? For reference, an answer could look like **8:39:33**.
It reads **2:14:27**
